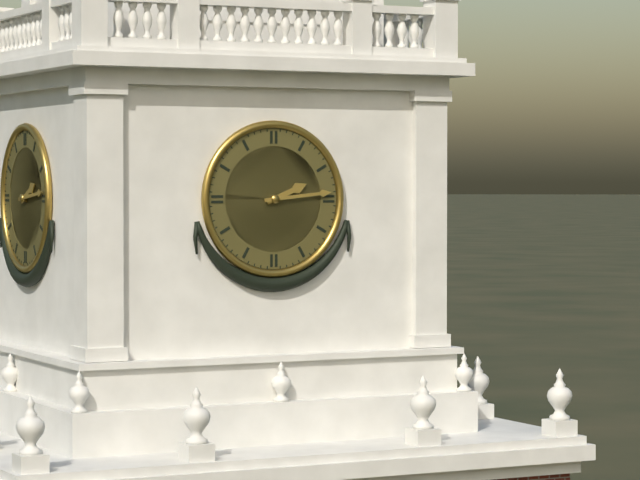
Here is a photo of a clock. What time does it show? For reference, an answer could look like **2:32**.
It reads **2:14**
